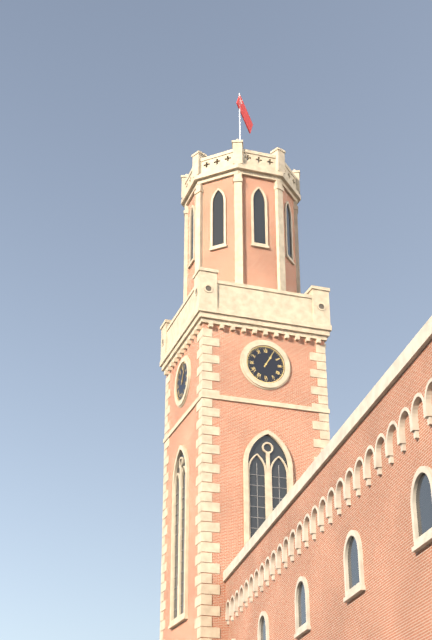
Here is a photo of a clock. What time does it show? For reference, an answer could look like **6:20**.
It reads **1:05**
